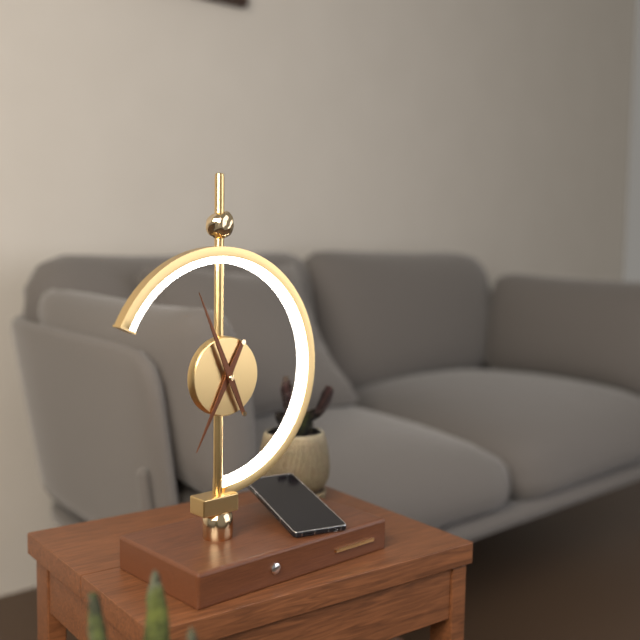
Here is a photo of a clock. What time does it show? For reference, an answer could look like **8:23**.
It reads **6:56**
